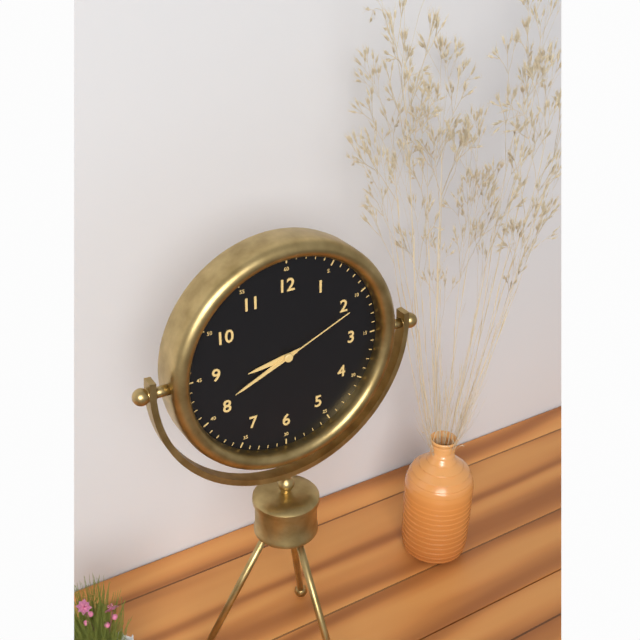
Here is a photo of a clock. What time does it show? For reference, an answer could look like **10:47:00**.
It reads **8:41:11**
